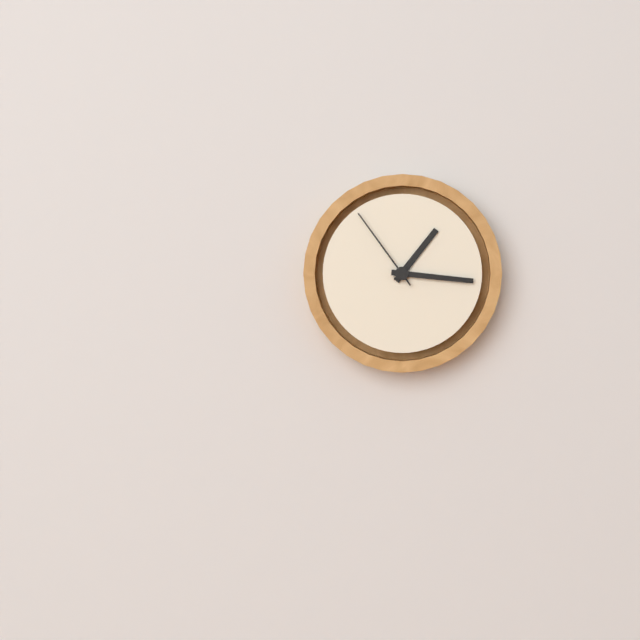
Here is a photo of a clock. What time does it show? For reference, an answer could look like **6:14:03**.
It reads **1:16:54**
